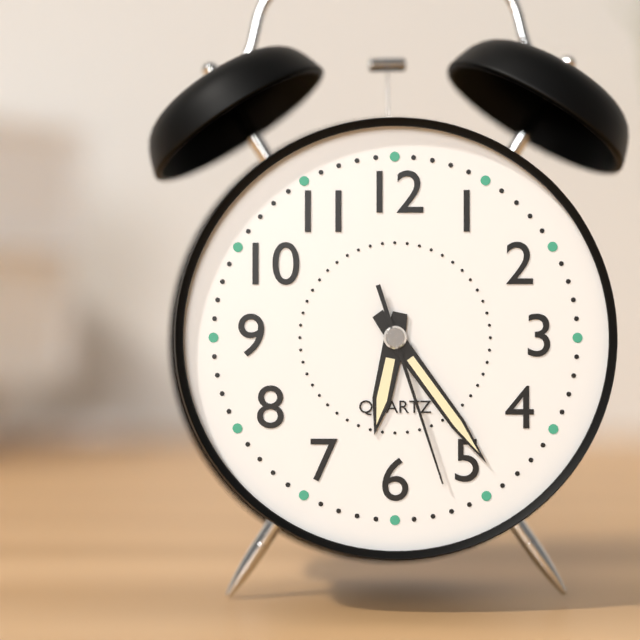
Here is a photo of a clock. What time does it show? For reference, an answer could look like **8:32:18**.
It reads **6:24:27**
